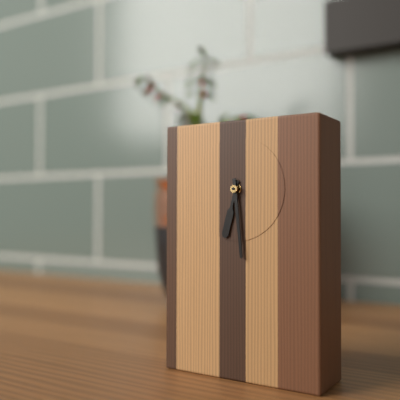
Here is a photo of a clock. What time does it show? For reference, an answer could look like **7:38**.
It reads **6:29**
